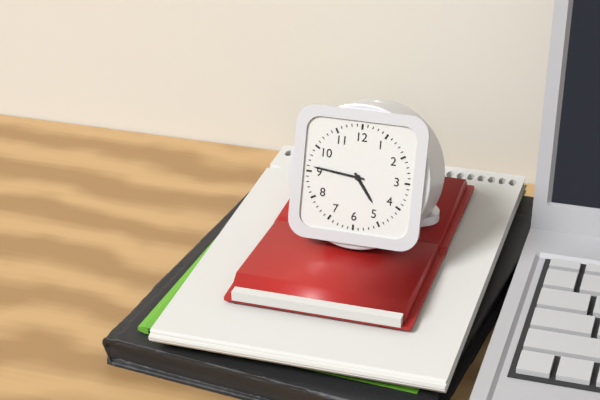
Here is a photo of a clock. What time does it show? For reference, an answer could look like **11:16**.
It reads **4:46**
